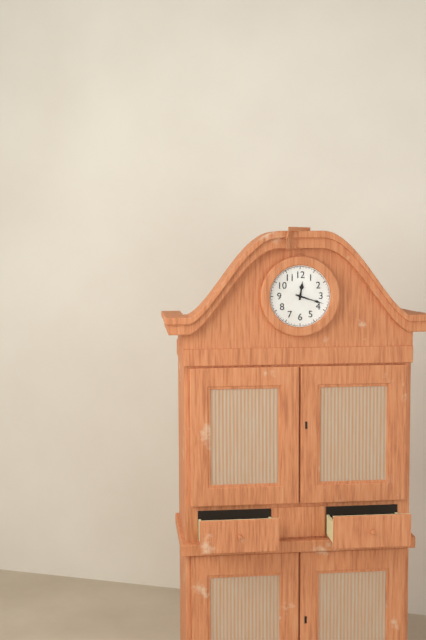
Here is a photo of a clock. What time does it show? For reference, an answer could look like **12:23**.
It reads **12:18**
